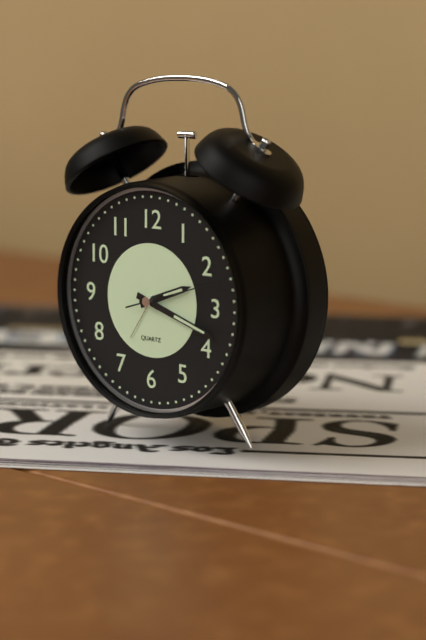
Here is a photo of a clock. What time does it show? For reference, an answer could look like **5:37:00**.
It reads **2:18:12**
